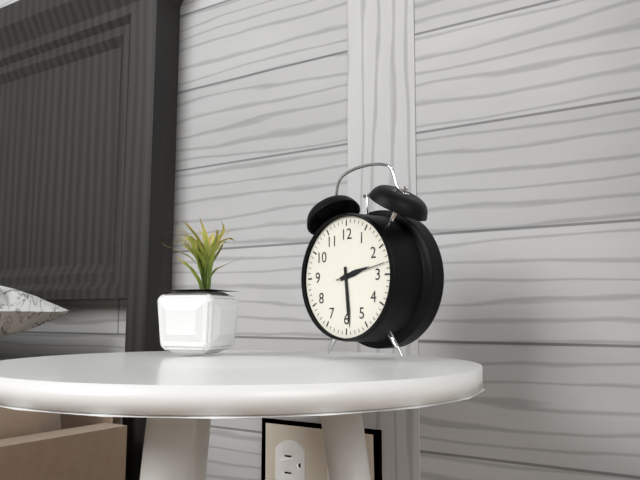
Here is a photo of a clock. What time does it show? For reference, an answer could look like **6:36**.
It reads **2:29**
